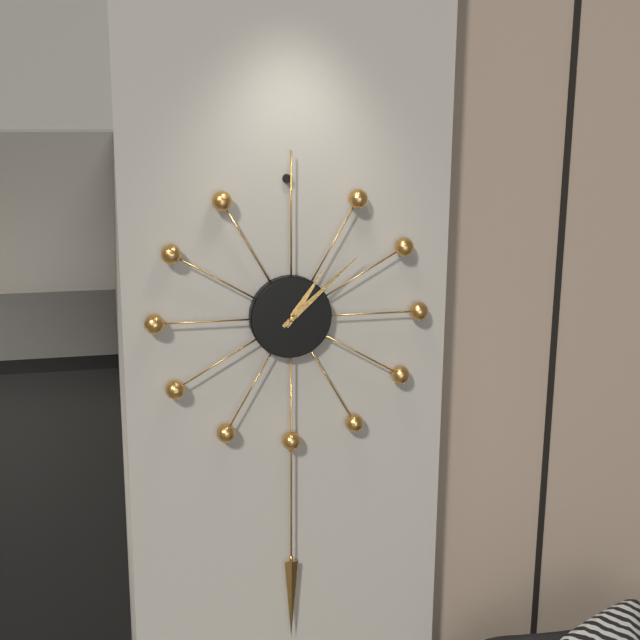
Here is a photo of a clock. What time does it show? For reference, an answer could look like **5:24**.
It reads **1:08**
